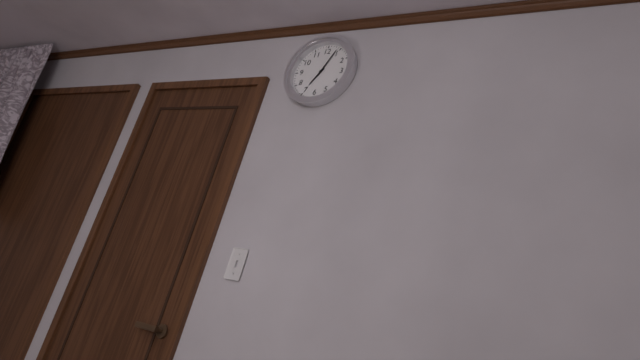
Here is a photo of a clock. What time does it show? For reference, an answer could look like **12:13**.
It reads **7:04**
